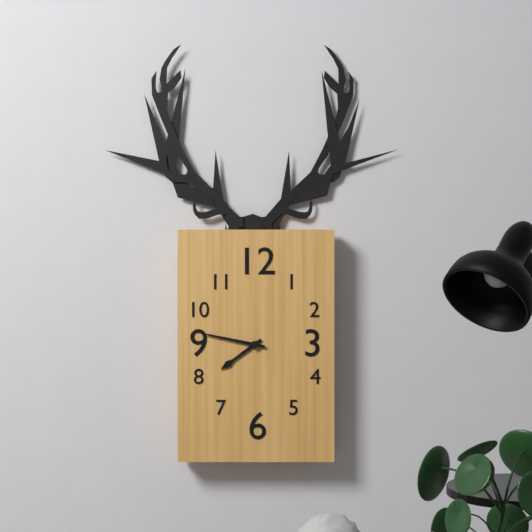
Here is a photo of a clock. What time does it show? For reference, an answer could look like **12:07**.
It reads **7:47**
